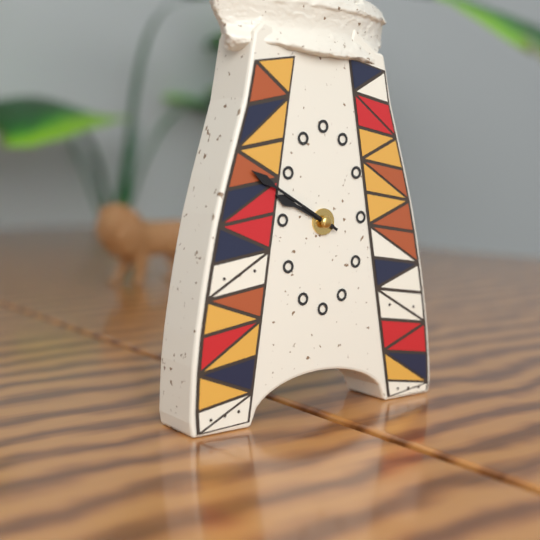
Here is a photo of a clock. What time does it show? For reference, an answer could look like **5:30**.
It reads **9:50**
